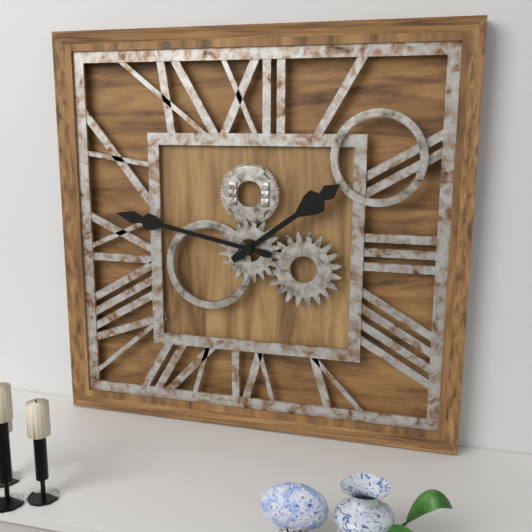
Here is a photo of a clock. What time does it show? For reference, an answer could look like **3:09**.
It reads **1:47**
